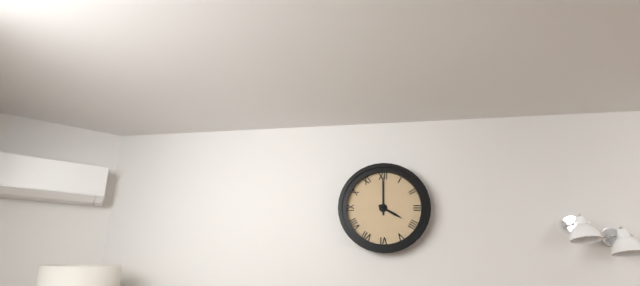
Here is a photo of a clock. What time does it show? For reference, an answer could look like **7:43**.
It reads **4:00**
